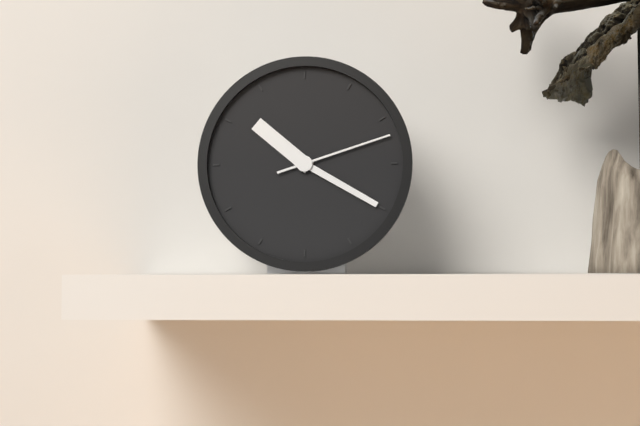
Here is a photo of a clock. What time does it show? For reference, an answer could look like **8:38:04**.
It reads **10:20:12**
